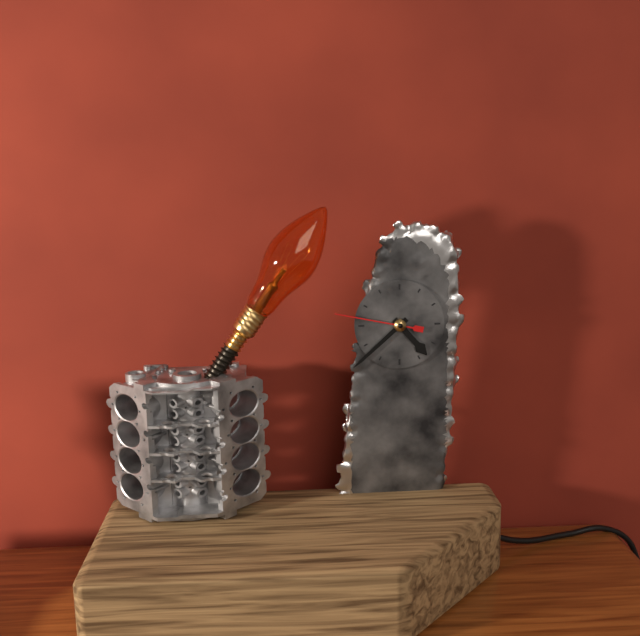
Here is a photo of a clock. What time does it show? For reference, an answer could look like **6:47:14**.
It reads **4:38:47**
